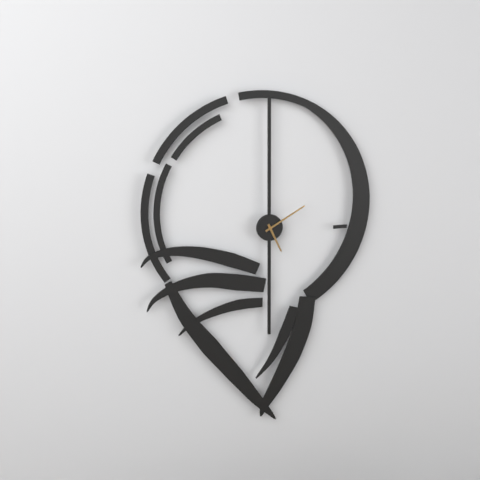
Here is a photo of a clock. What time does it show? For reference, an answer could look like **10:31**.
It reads **5:10**
